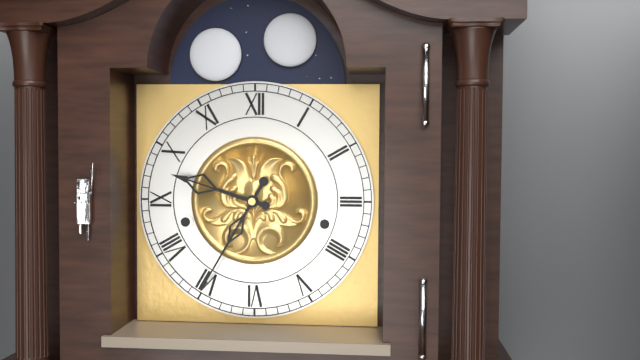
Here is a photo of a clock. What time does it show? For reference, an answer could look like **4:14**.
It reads **9:35**
